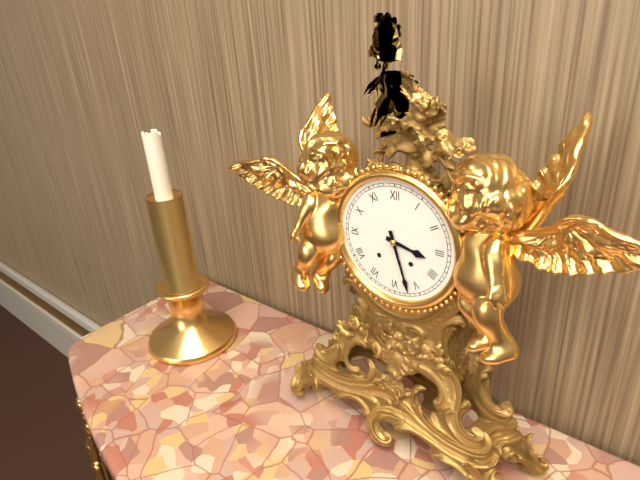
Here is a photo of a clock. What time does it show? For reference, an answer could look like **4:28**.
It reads **3:27**
